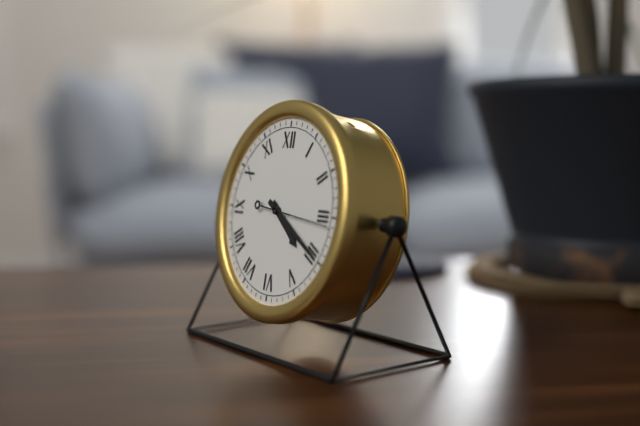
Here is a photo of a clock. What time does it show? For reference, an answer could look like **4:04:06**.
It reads **4:20:16**
